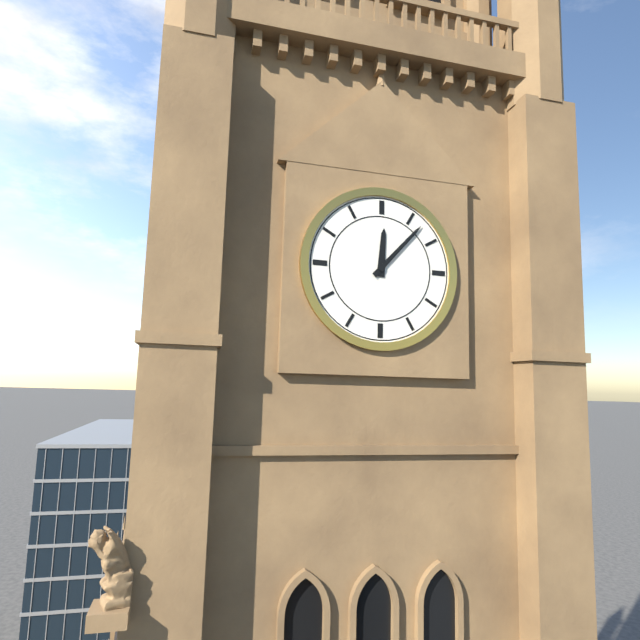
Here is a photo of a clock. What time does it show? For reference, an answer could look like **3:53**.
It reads **12:07**
